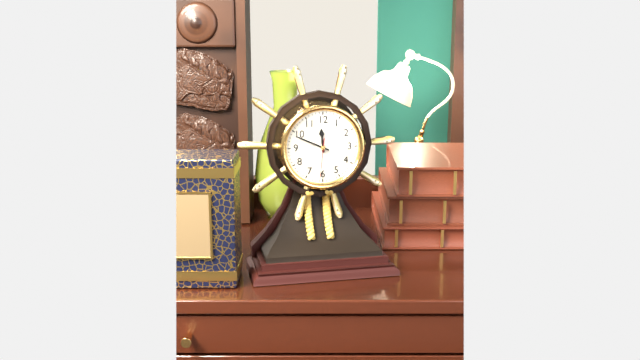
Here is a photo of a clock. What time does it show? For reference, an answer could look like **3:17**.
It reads **11:49**
